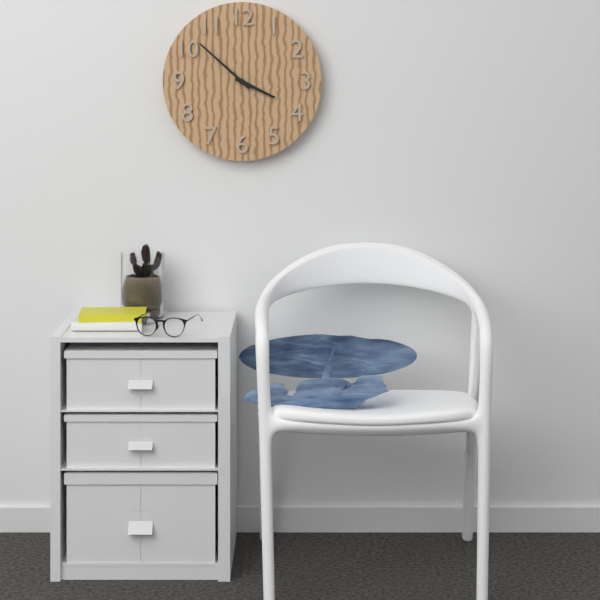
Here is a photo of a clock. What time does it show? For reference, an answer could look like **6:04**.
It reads **3:52**
